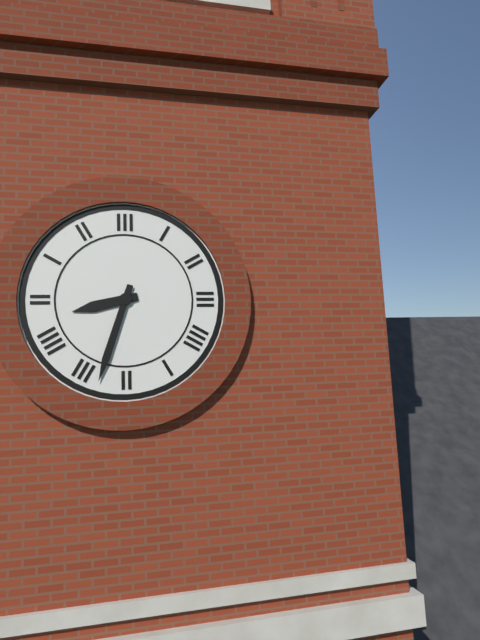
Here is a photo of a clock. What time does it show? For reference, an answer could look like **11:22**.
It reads **8:33**
